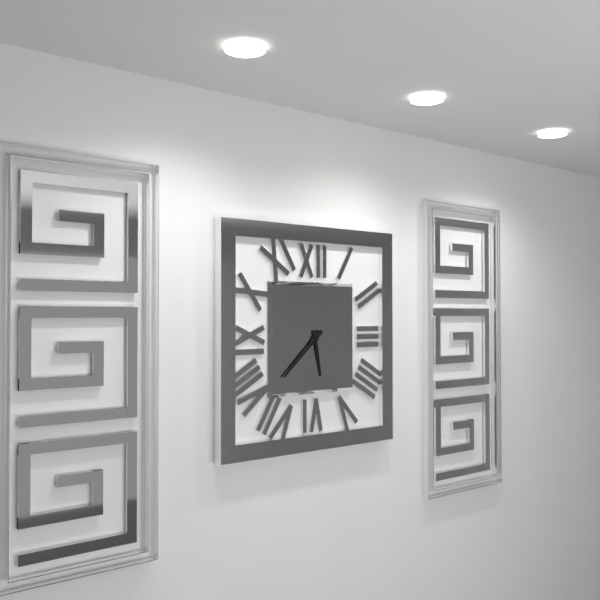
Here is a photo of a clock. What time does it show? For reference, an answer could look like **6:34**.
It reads **5:38**
